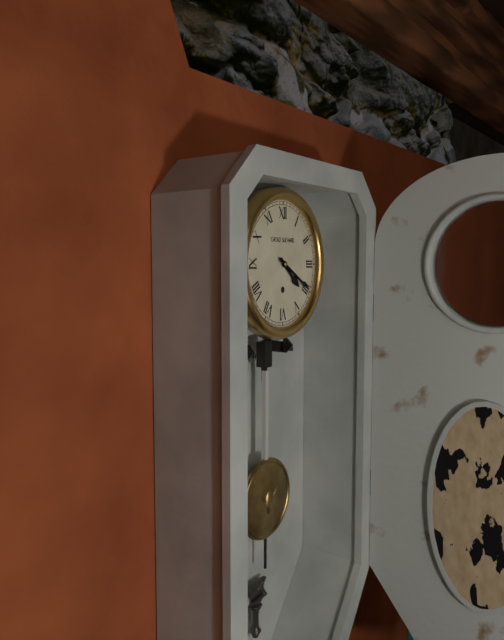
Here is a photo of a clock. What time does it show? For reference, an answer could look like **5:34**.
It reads **4:20**
